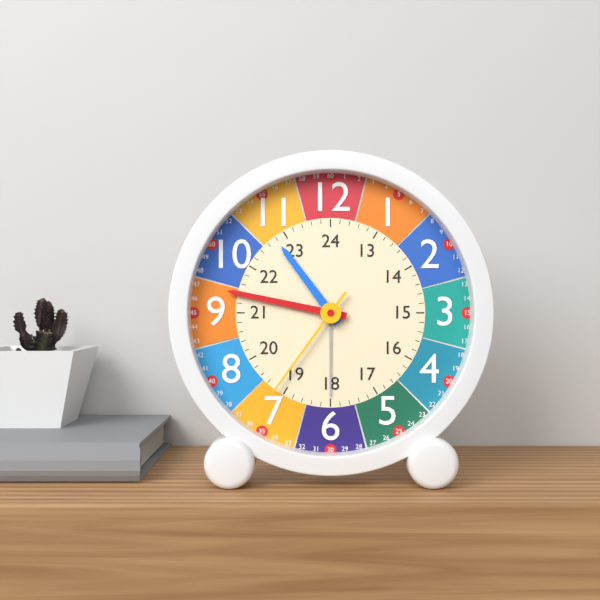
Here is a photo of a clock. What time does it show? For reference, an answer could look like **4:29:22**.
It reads **10:47:36**
